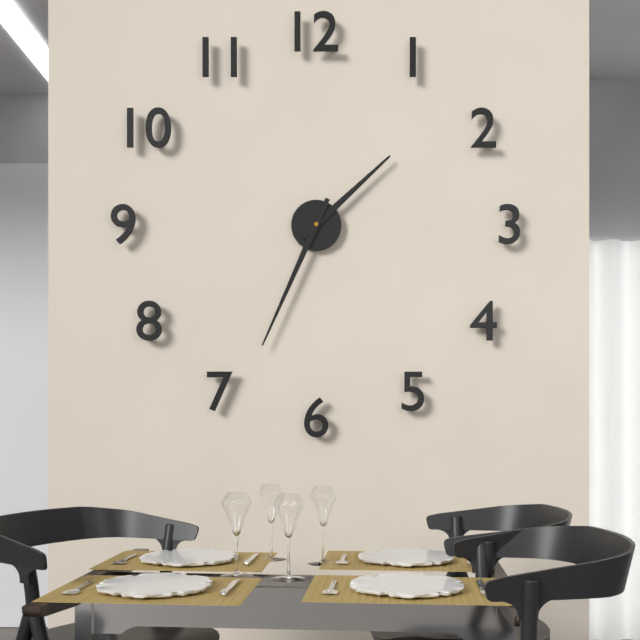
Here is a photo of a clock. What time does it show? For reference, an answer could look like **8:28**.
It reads **1:34**
